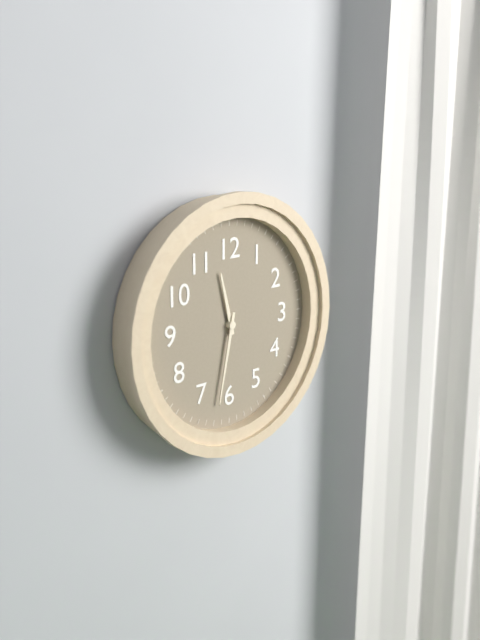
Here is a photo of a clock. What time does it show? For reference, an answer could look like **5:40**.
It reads **11:32**
